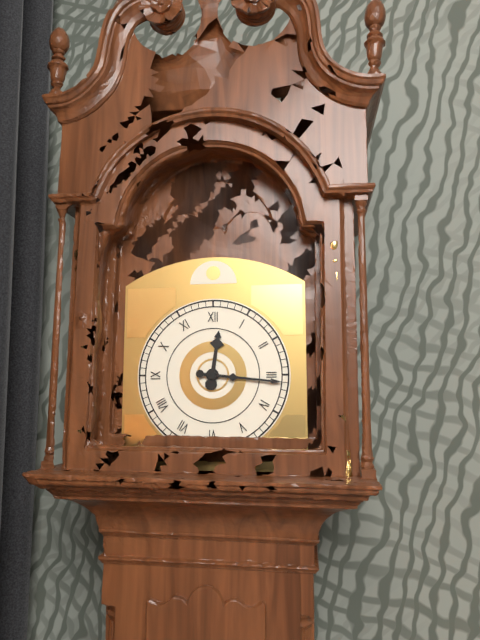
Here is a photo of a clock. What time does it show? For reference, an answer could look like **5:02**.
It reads **12:16**
